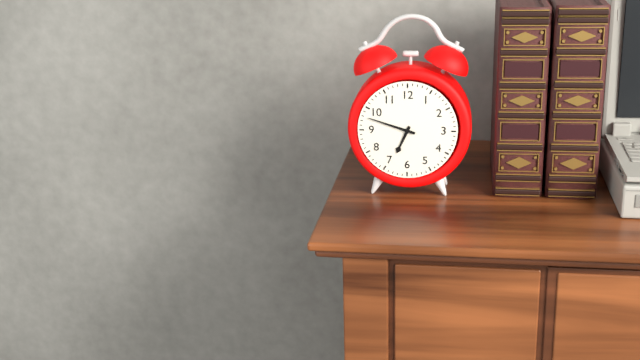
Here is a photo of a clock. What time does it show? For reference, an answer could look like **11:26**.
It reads **6:48**
